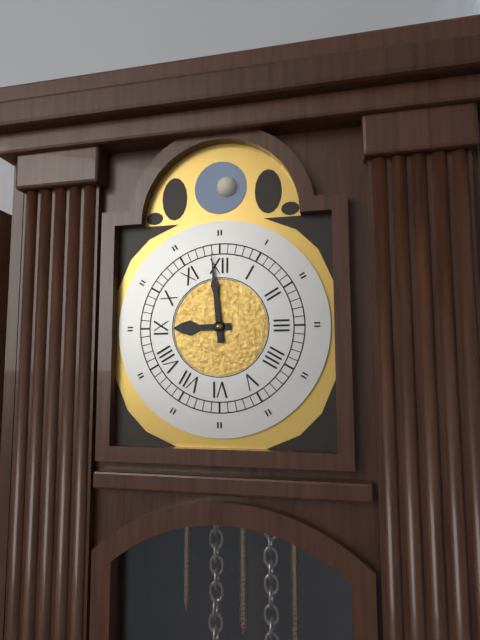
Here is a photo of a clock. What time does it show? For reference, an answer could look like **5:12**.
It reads **8:59**
